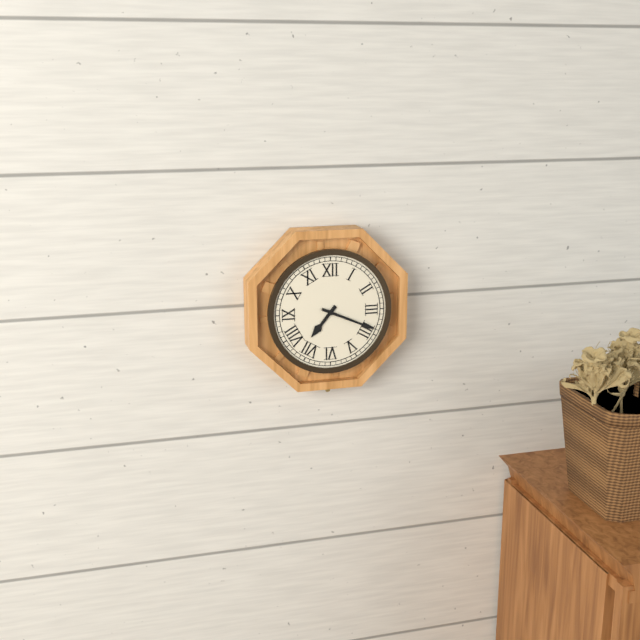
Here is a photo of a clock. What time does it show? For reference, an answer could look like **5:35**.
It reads **7:19**
